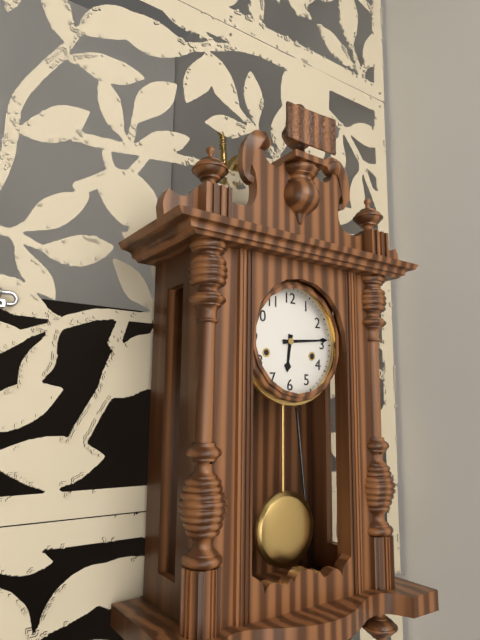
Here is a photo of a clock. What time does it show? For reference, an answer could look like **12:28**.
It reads **6:14**
